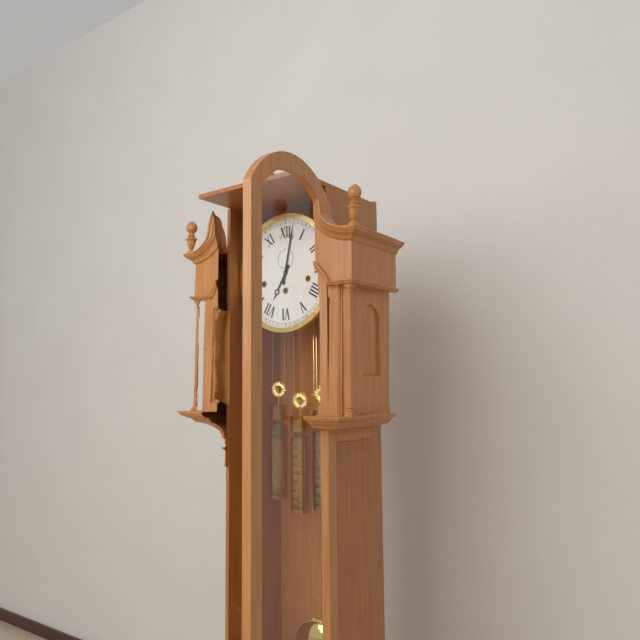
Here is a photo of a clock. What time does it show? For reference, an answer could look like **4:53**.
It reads **7:02**
